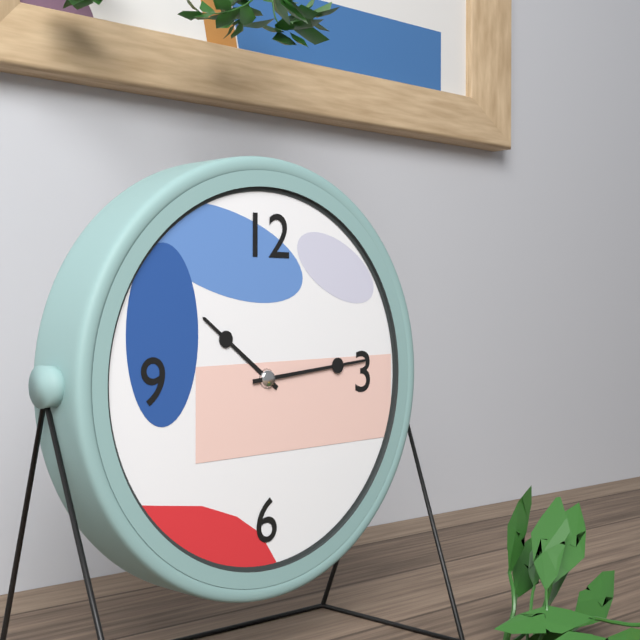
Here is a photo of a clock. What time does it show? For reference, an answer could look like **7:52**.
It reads **10:14**
